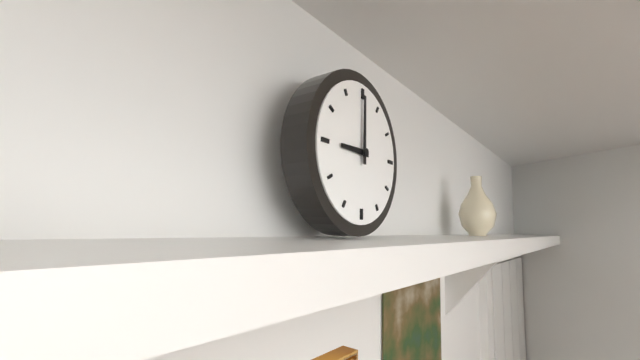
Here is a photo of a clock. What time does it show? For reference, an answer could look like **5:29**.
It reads **9:00**
